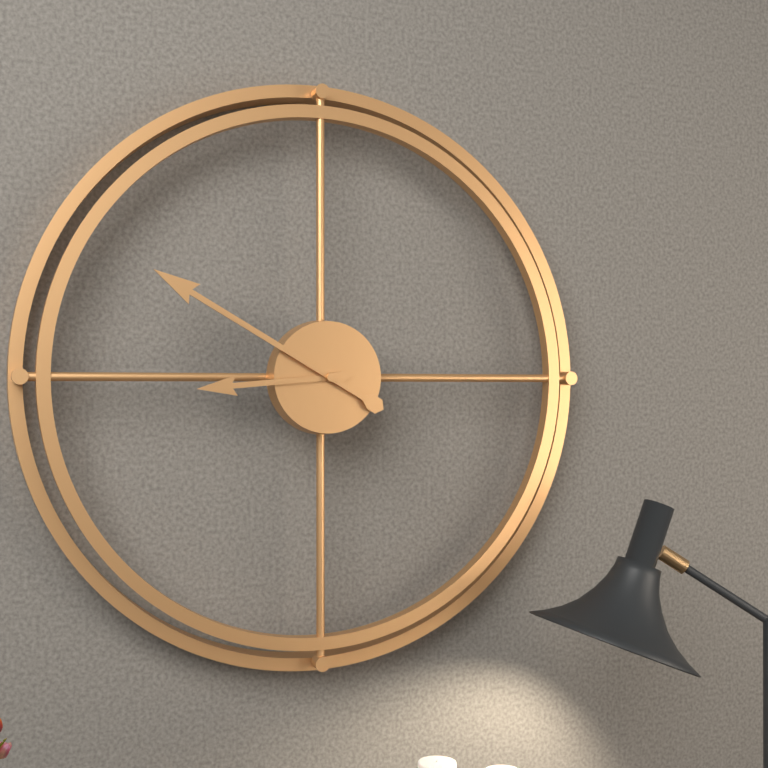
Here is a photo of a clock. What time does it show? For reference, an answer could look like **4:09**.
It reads **8:50**
